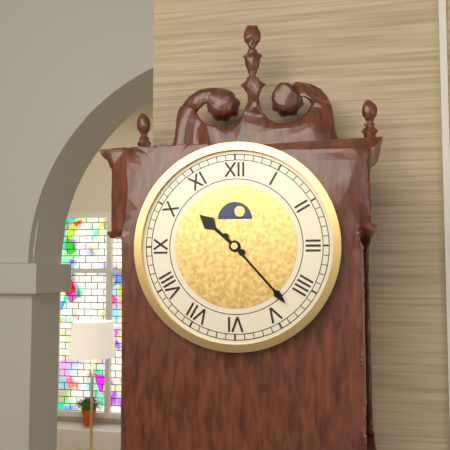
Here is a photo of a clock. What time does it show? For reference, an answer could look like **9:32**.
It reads **10:23**
